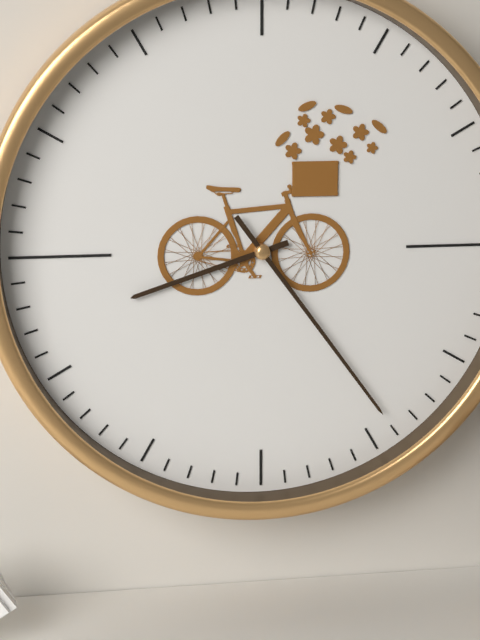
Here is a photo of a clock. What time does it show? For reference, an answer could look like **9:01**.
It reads **8:24**
